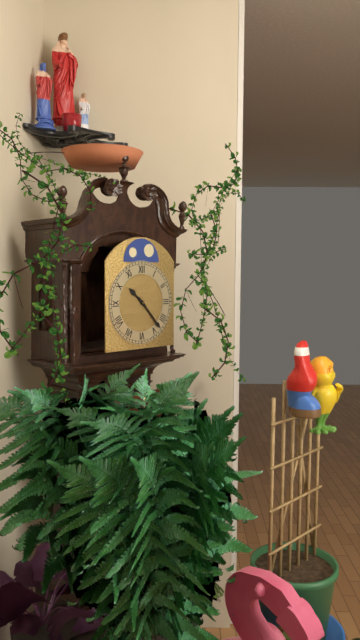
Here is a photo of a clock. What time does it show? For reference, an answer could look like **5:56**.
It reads **10:23**
